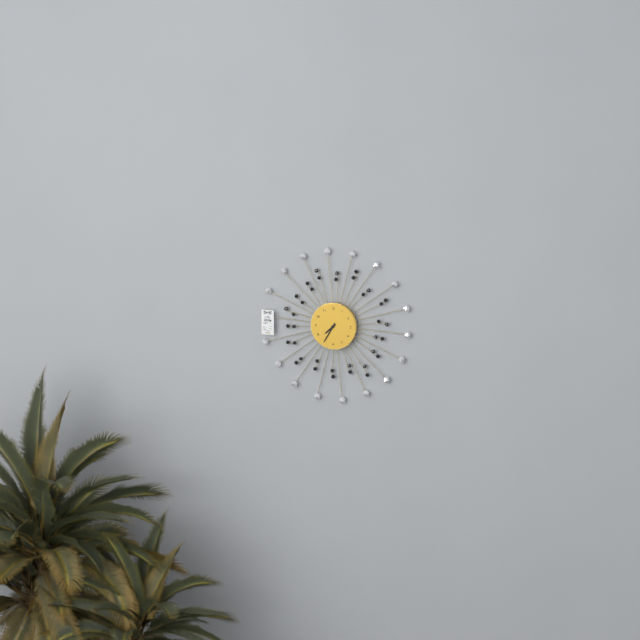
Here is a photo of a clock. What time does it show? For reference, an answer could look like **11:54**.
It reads **7:35**
